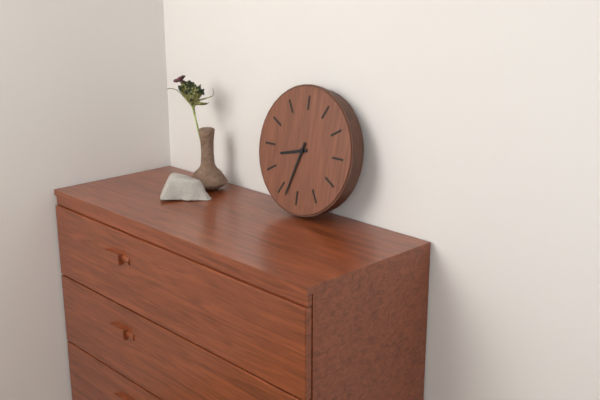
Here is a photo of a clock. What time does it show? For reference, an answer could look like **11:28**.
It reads **8:33**
